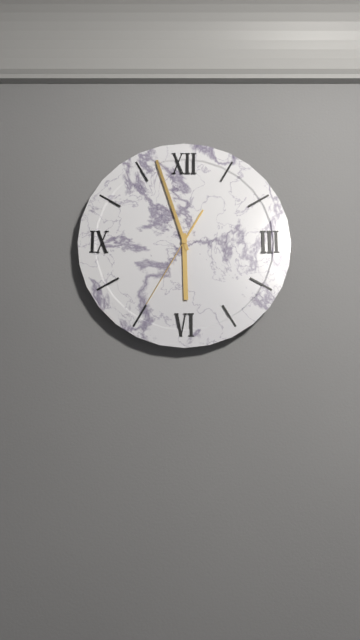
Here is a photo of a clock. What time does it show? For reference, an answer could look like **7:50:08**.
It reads **5:57:35**
